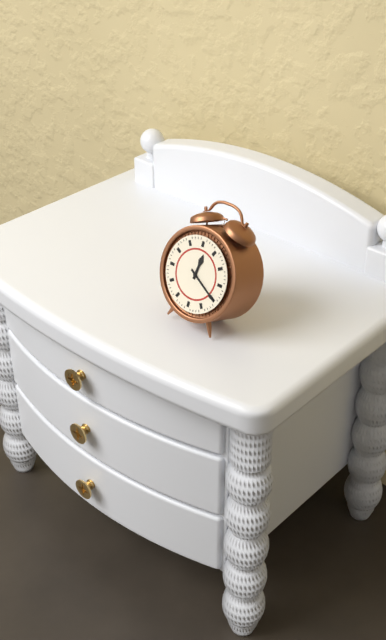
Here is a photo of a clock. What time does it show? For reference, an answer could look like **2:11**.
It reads **12:20**
